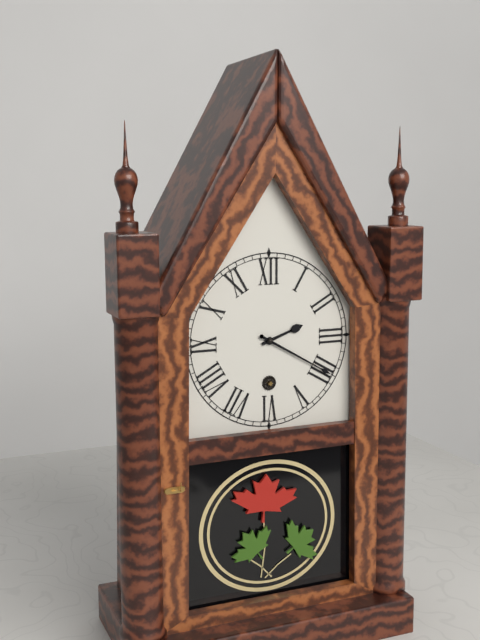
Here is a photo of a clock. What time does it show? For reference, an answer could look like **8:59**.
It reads **2:20**
